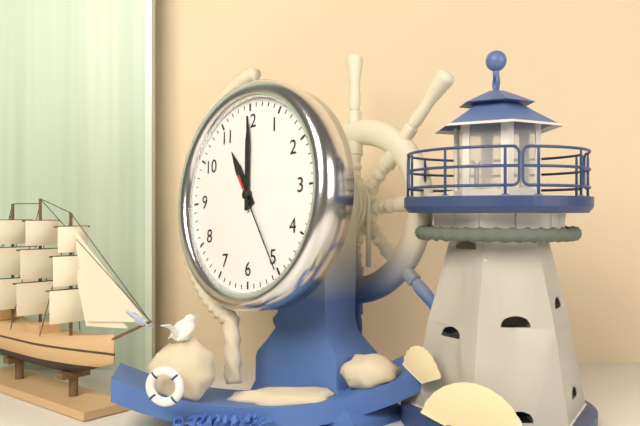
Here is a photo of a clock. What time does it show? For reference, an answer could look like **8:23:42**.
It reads **11:00:25**
